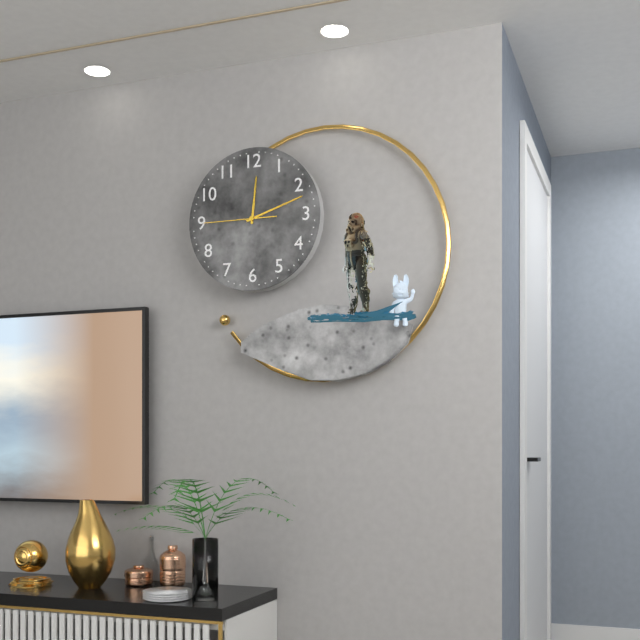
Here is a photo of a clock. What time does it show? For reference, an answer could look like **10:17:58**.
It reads **12:12:45**
